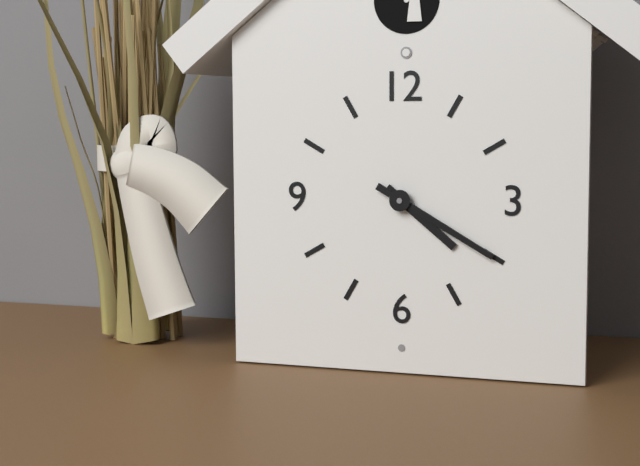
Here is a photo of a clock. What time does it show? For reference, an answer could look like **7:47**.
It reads **4:20**
